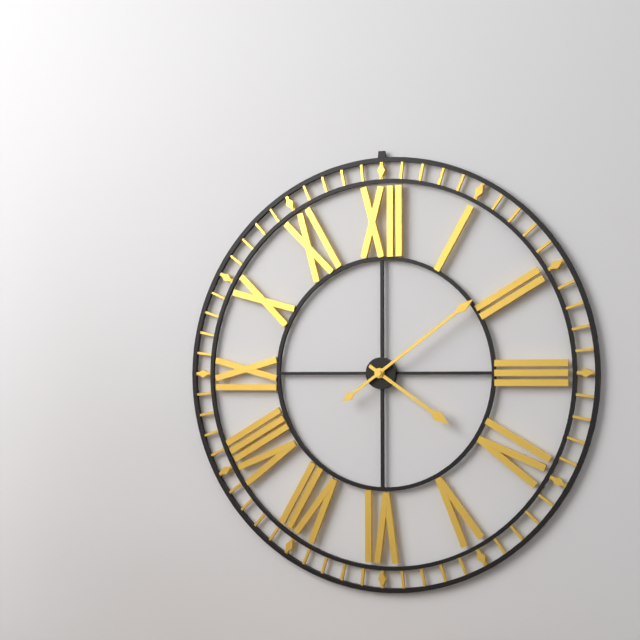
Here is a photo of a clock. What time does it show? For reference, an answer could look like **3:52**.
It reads **4:09**
